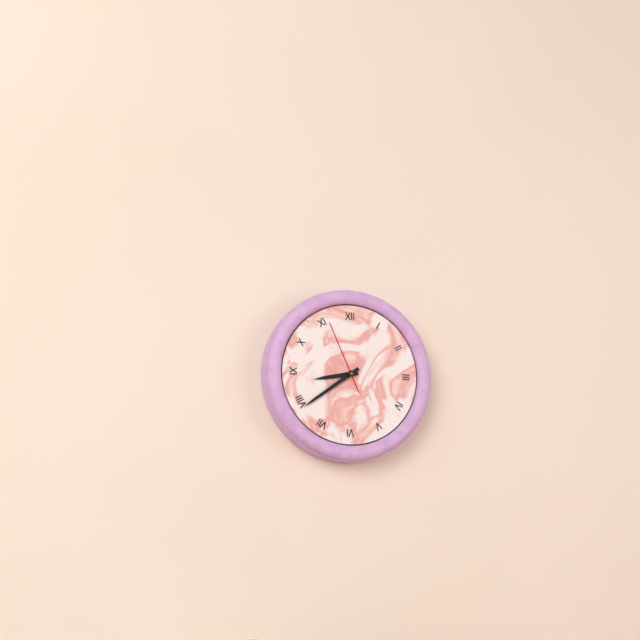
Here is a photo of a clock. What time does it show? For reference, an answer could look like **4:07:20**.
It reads **8:39:56**
